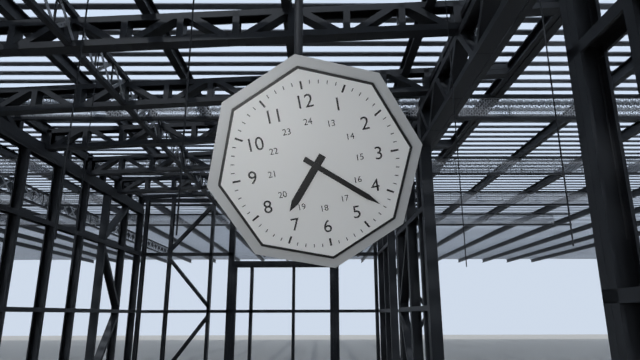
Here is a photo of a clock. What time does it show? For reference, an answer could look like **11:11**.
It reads **7:22**
